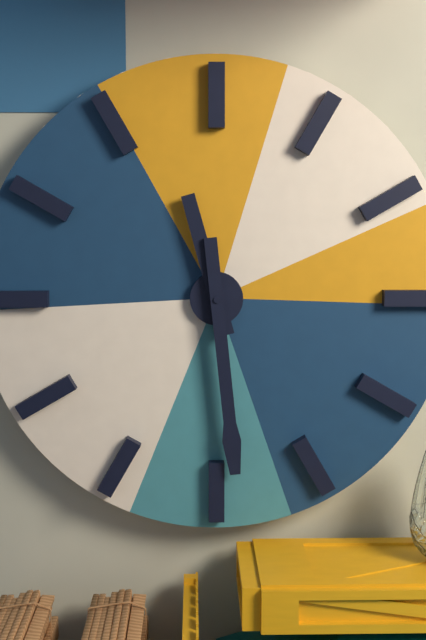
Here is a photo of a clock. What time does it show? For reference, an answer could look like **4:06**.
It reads **11:29**
